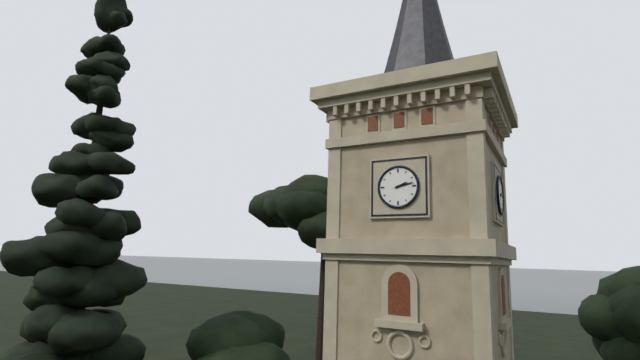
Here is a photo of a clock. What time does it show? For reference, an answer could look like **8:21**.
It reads **2:13**
